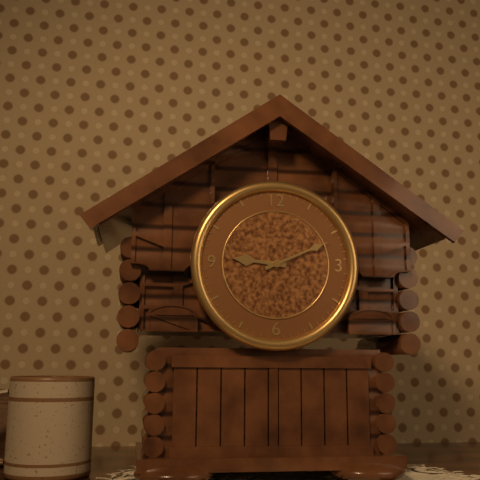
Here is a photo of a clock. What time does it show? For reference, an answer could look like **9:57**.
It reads **9:11**
